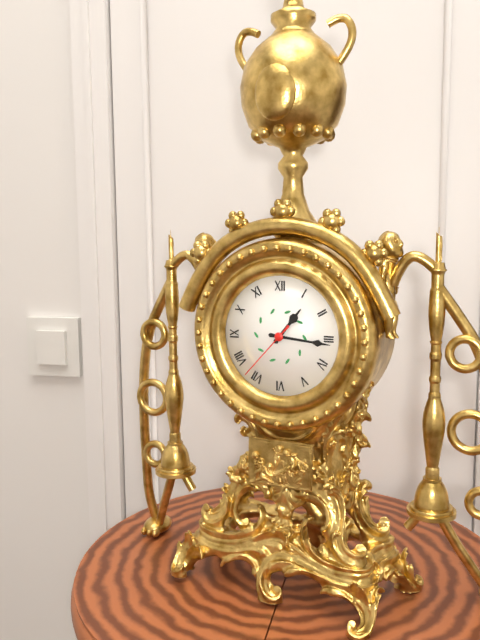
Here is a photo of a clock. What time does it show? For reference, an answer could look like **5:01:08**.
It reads **1:16:37**
